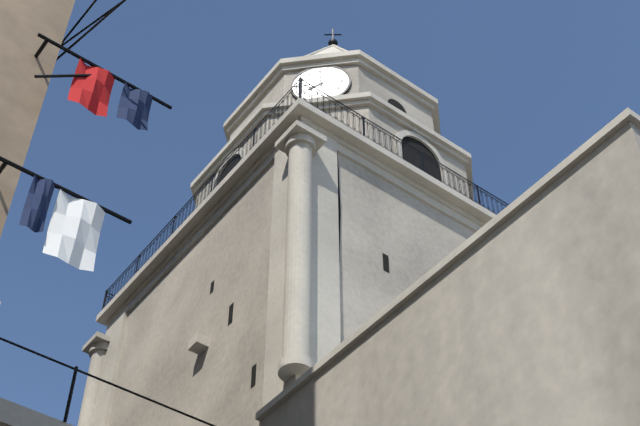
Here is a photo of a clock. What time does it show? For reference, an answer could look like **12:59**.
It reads **8:00**
